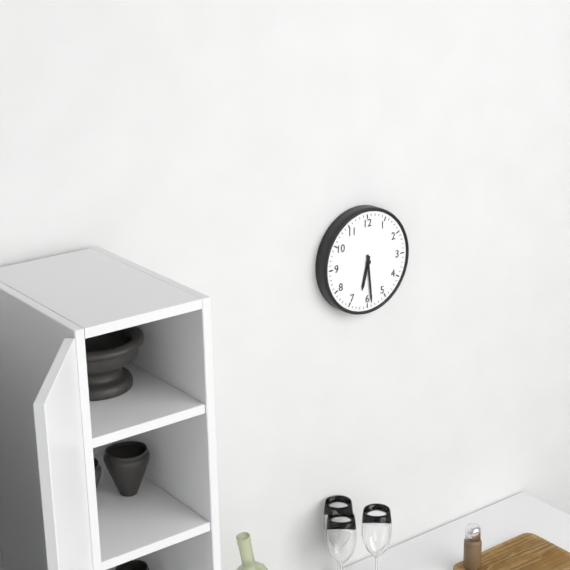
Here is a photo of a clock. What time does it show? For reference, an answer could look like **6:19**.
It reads **6:29**
